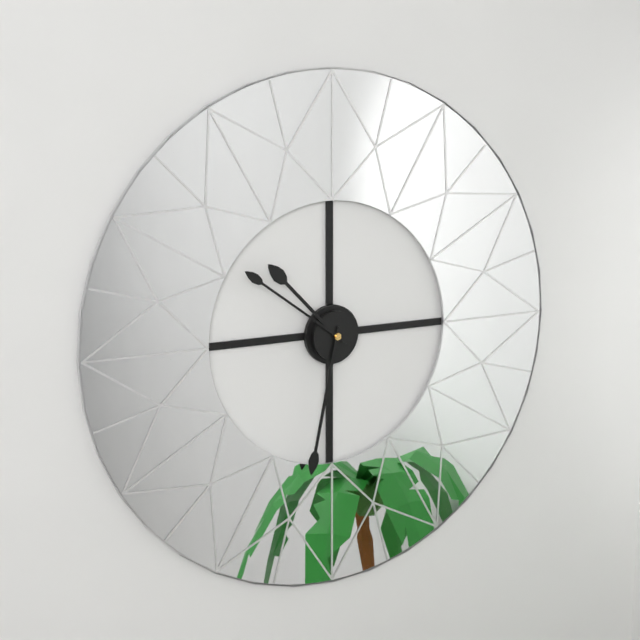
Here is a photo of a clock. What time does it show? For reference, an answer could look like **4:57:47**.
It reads **10:32:51**
